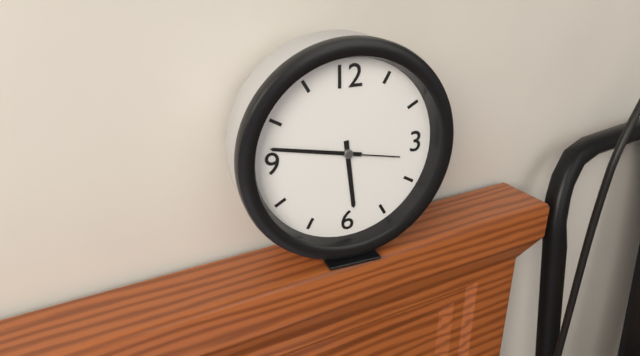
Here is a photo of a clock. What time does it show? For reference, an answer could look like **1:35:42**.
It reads **5:47:47**
